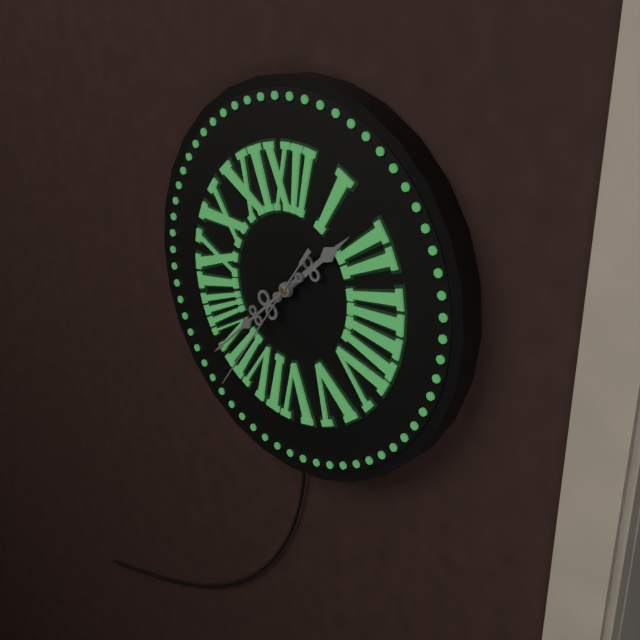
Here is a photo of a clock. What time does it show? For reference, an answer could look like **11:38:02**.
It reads **1:38:36**
